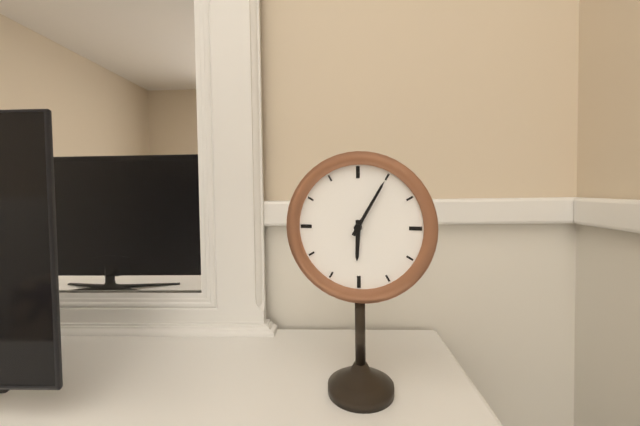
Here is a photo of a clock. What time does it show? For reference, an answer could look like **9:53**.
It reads **6:05**
